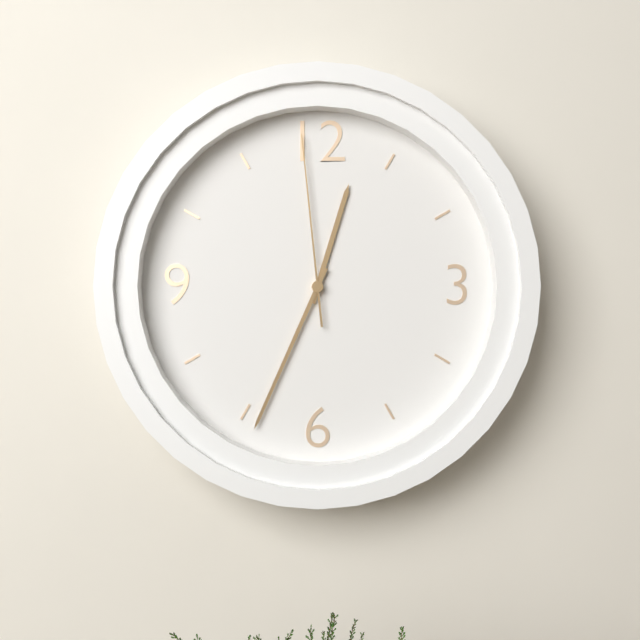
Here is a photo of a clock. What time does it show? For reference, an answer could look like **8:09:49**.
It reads **12:34:59**
